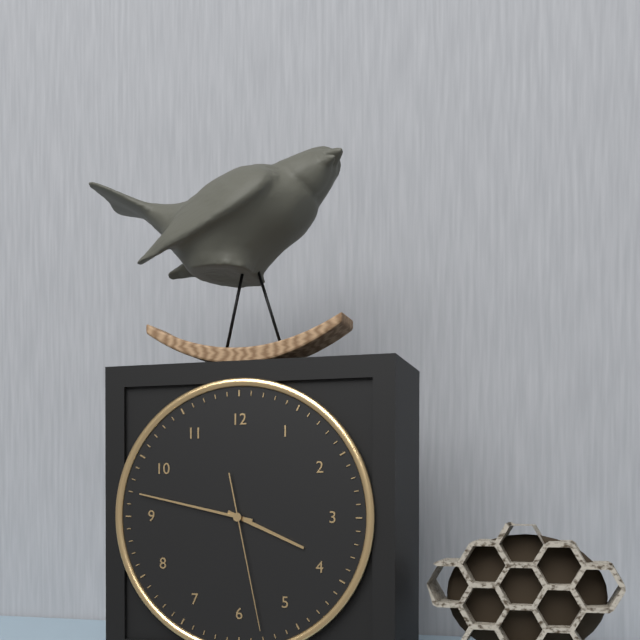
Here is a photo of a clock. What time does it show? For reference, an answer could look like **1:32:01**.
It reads **3:47:28**
